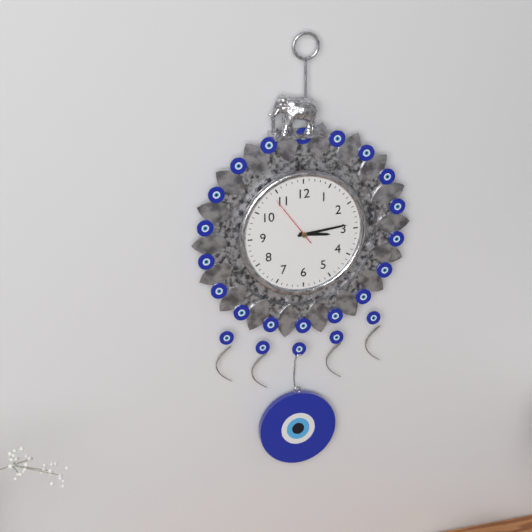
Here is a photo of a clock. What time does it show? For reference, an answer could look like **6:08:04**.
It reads **3:14:54**
